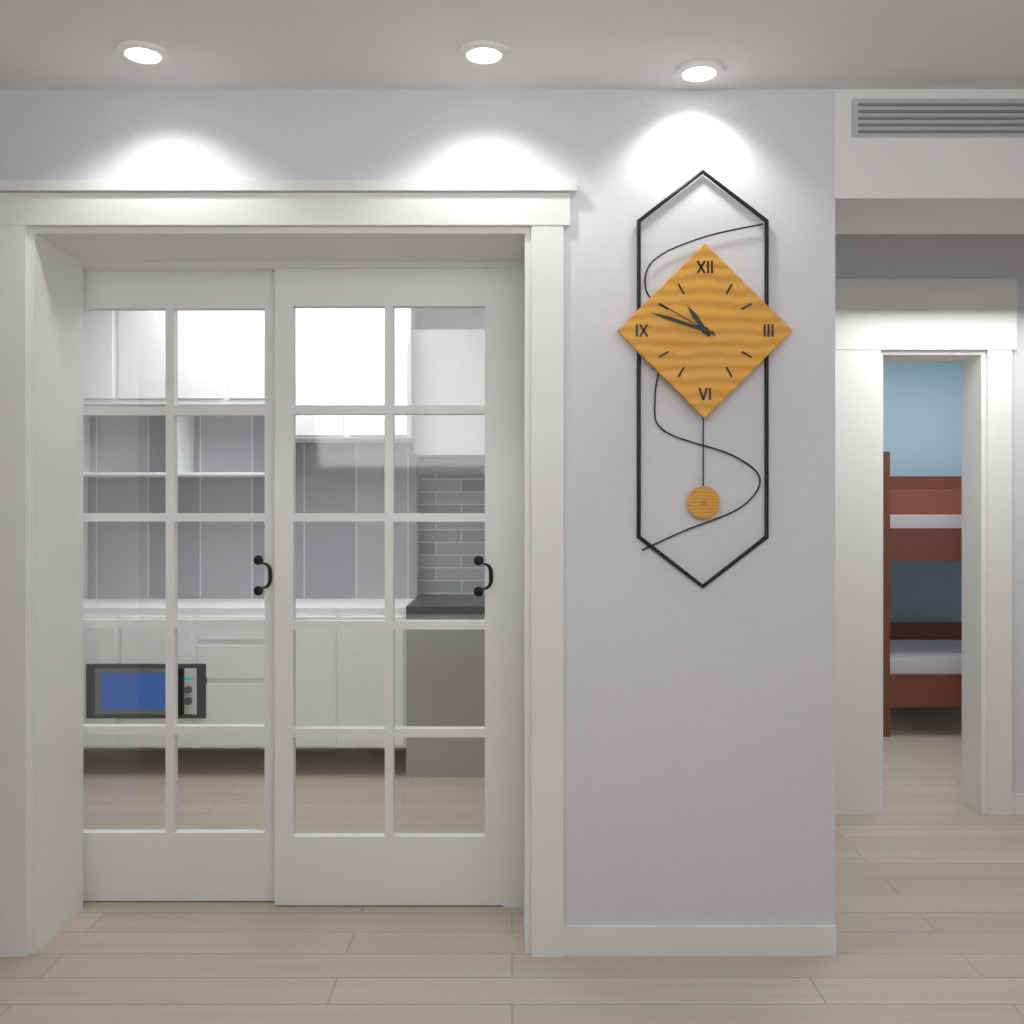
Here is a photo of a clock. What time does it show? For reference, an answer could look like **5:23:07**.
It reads **10:48:50**
